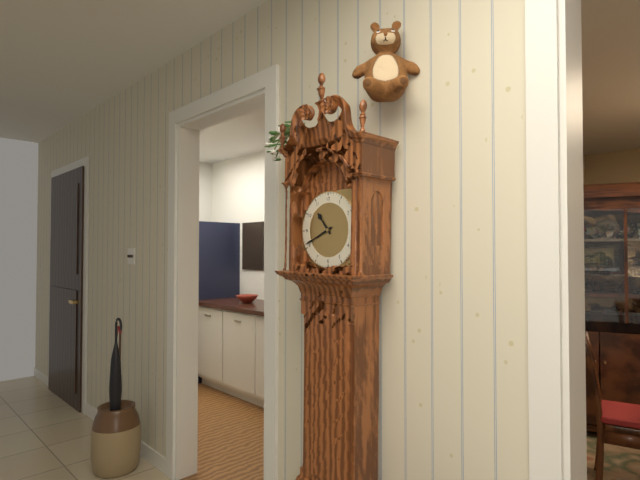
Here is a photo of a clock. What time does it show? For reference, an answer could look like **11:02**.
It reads **10:41**
